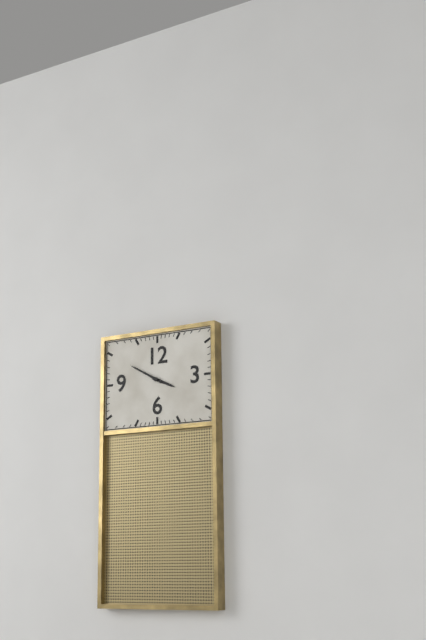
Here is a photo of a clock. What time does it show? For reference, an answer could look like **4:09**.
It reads **3:50**
